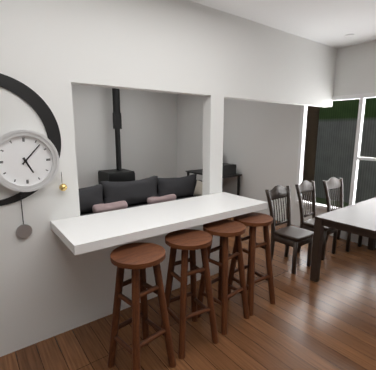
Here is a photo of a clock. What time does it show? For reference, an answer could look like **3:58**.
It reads **5:07**
